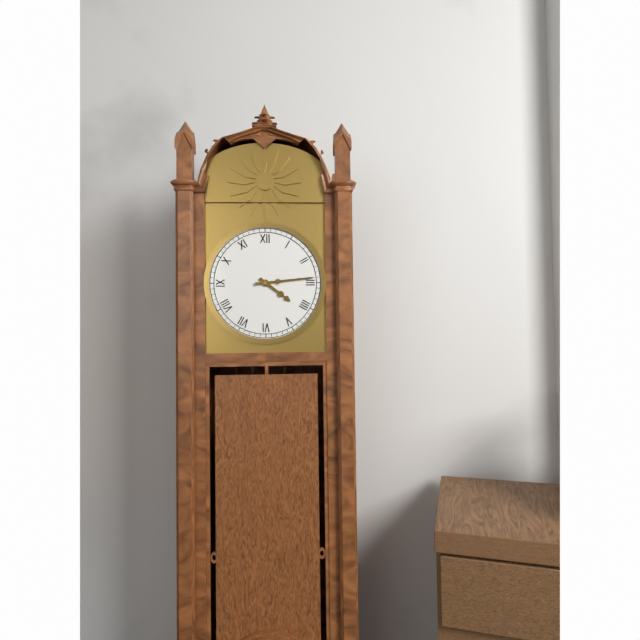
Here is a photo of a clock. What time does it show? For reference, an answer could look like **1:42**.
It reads **4:14**
